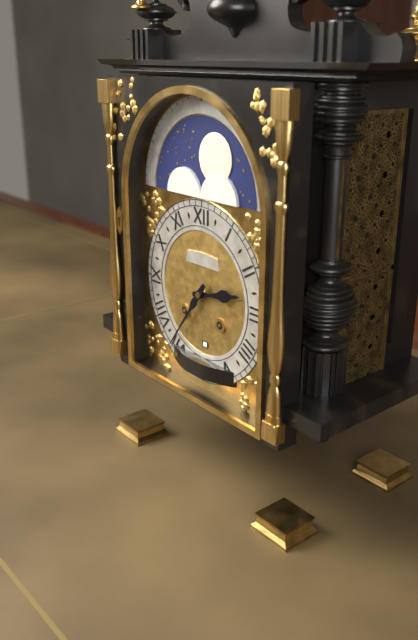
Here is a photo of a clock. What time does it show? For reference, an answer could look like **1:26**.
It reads **2:36**
